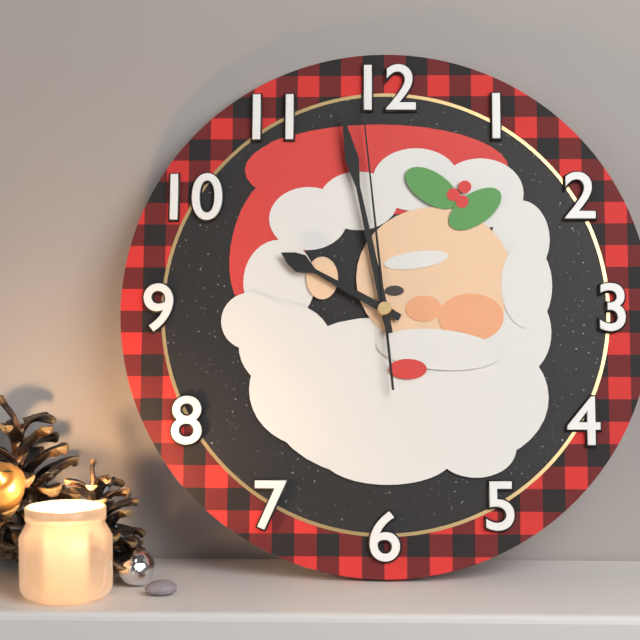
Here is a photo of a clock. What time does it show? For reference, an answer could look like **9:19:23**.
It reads **9:58:59**
